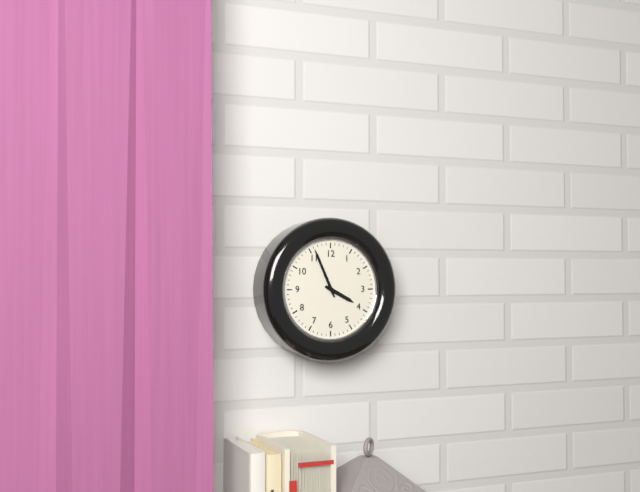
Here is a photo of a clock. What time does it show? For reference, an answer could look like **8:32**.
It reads **3:56**
